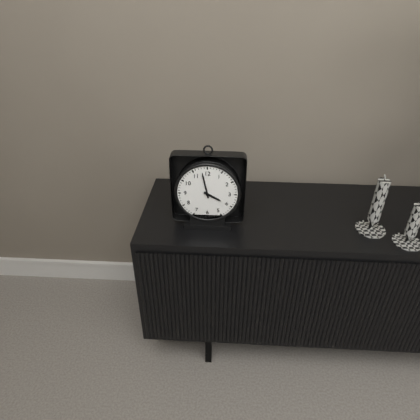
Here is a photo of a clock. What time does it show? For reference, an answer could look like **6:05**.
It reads **3:58**
